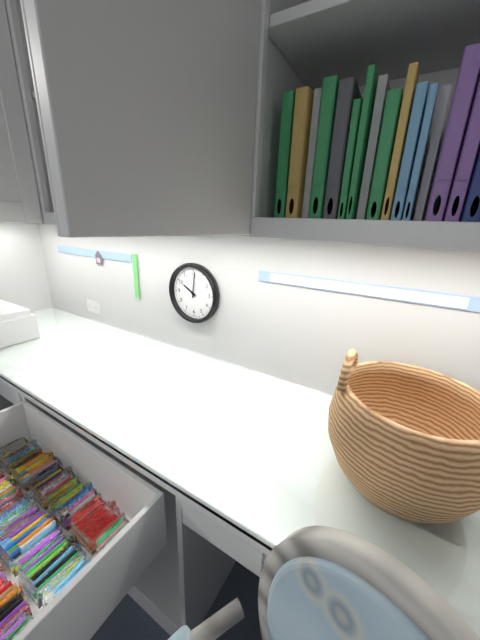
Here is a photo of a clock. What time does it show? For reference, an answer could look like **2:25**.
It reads **10:01**
